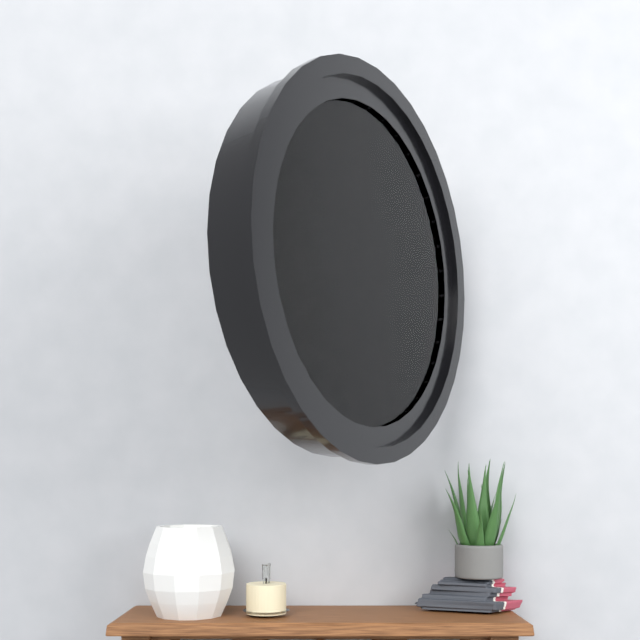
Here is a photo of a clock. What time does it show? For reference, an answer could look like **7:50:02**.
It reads **11:28:58**
